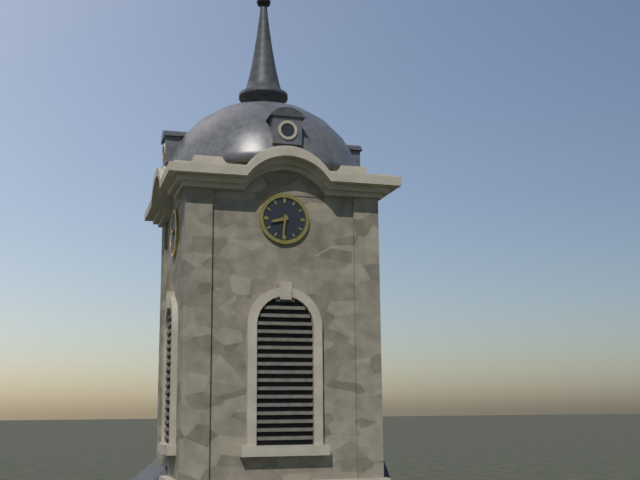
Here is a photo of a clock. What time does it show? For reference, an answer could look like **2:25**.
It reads **8:31**
